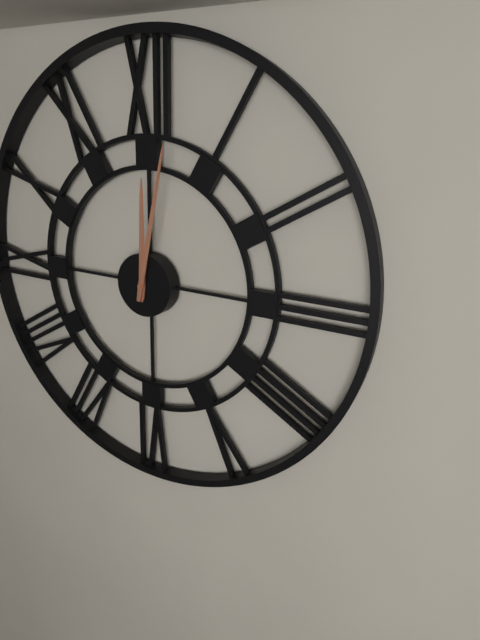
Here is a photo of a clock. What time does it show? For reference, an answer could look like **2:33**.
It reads **12:02**
